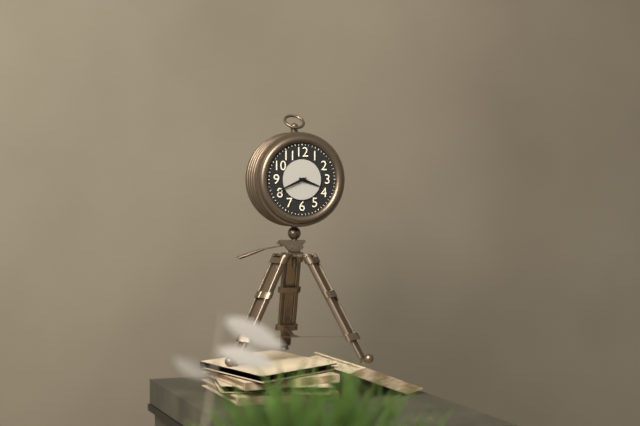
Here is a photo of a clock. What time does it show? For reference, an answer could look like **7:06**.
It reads **3:41**
